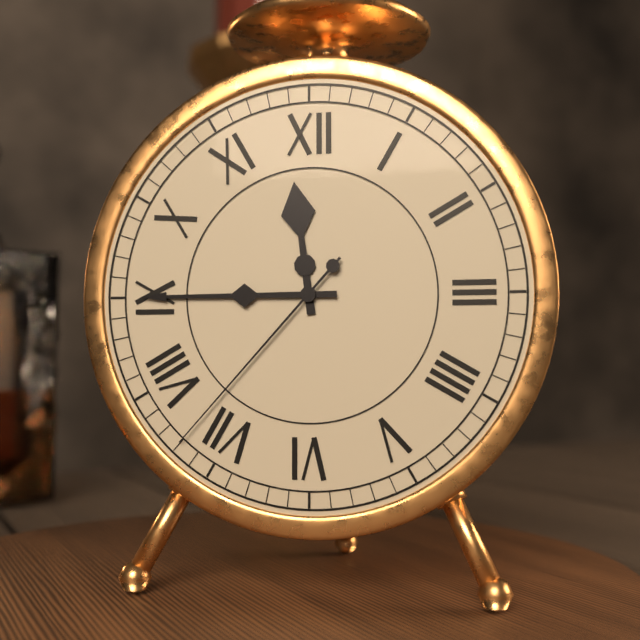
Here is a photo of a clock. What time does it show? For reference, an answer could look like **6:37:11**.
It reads **11:45:37**
